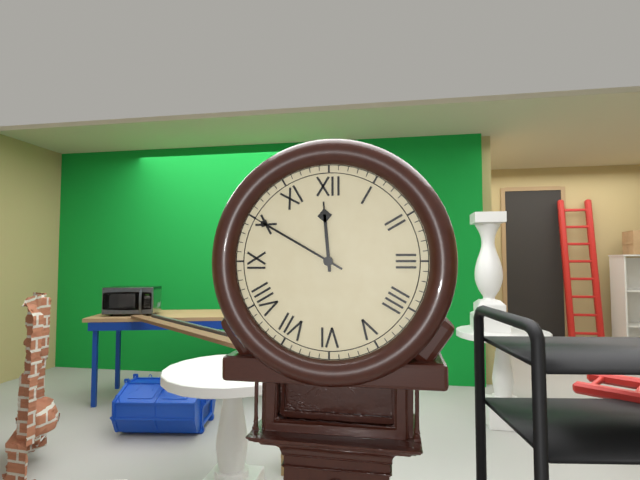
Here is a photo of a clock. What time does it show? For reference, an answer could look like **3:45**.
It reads **11:50**
